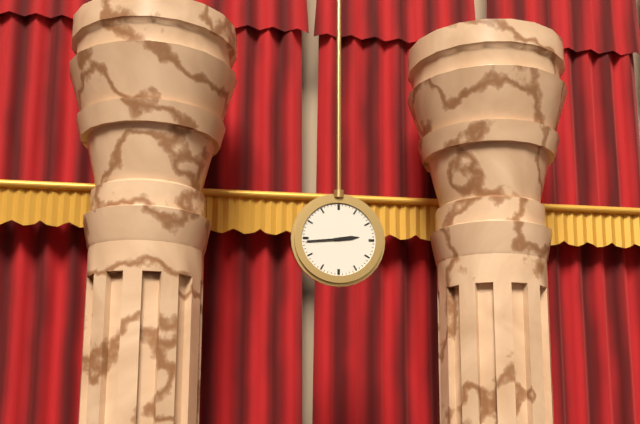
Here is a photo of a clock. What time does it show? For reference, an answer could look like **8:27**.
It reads **2:44**
